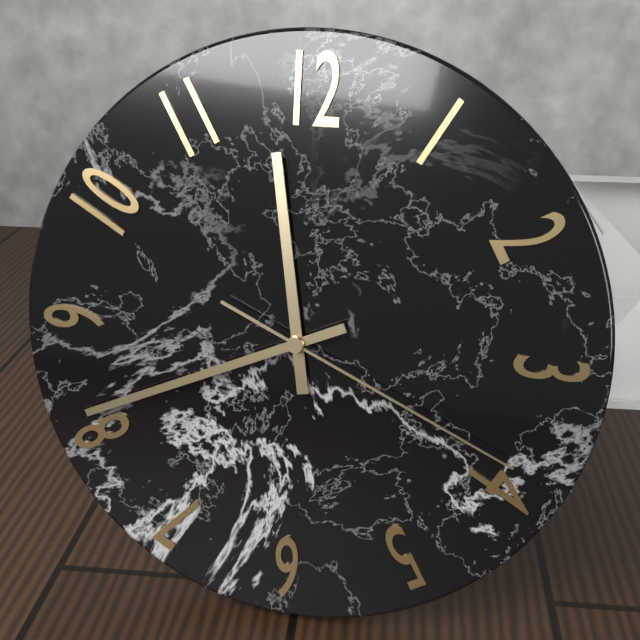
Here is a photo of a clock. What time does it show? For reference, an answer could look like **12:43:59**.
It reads **11:41:19**
